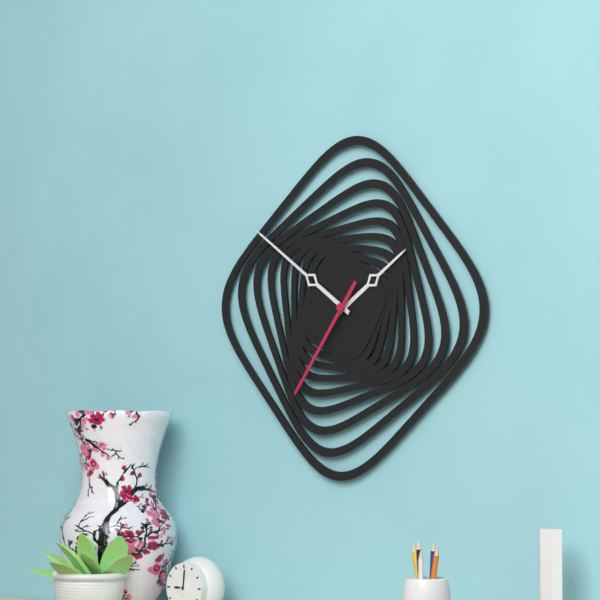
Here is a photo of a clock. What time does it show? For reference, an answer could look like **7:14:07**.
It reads **1:51:36**
